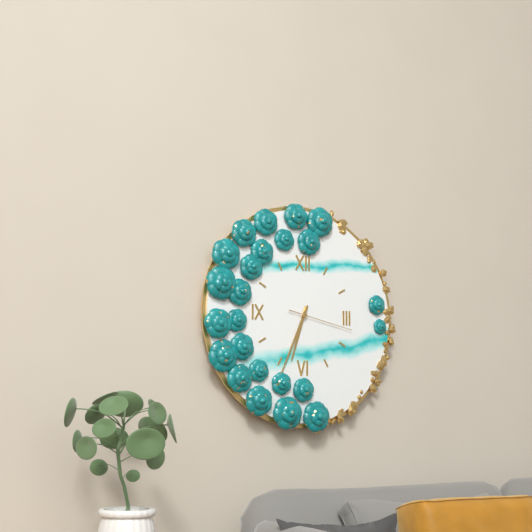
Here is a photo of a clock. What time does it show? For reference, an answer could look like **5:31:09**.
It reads **6:34:17**
